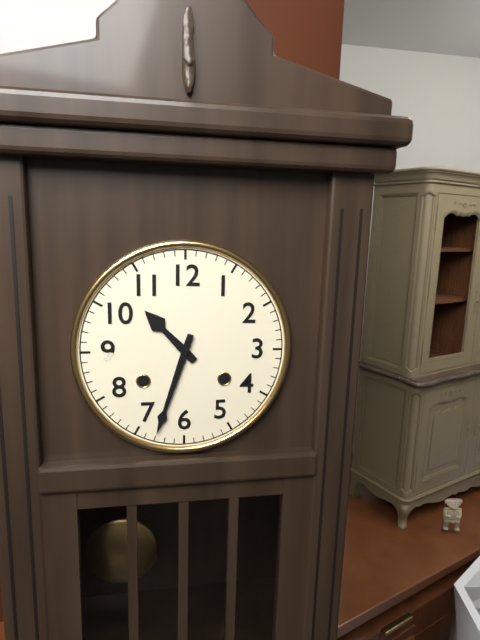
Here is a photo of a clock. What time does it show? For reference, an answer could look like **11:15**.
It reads **10:33**
